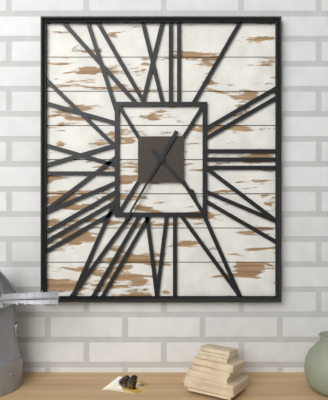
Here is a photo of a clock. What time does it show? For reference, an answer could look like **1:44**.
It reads **4:35**
